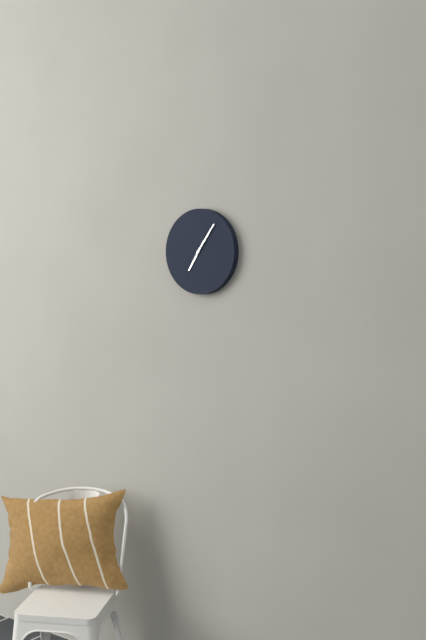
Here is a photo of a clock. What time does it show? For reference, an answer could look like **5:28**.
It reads **7:06**
